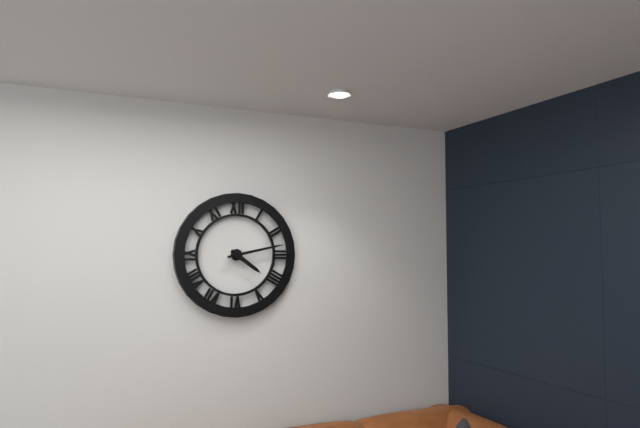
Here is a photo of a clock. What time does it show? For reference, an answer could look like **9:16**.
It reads **4:13**
